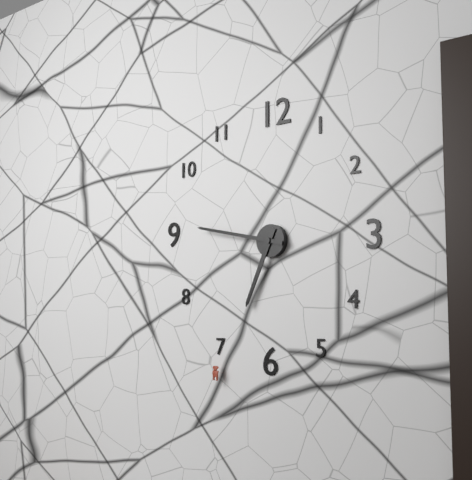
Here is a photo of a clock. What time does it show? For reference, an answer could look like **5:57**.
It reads **6:47**
